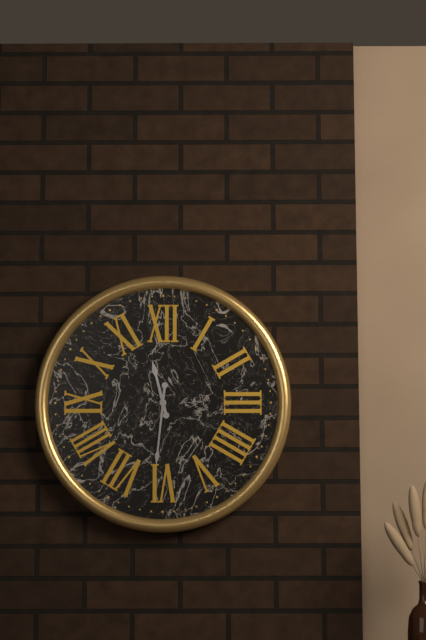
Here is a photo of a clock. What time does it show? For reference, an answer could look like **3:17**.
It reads **11:31**
